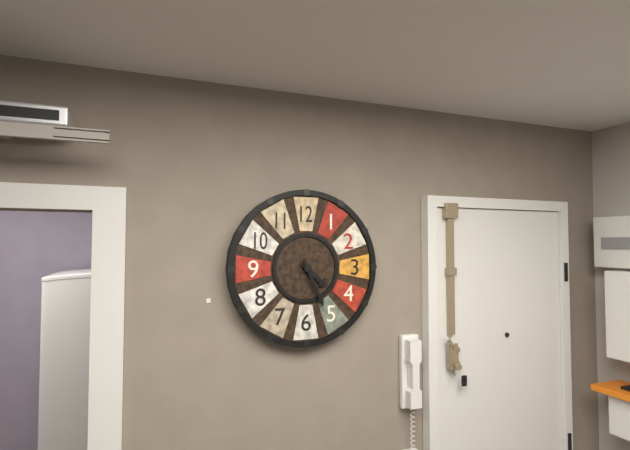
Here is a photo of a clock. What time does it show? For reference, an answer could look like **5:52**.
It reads **4:26**
